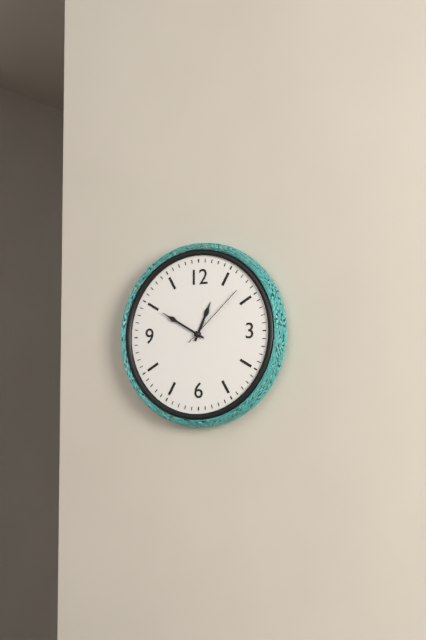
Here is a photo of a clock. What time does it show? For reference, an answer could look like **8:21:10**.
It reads **12:50:08**
